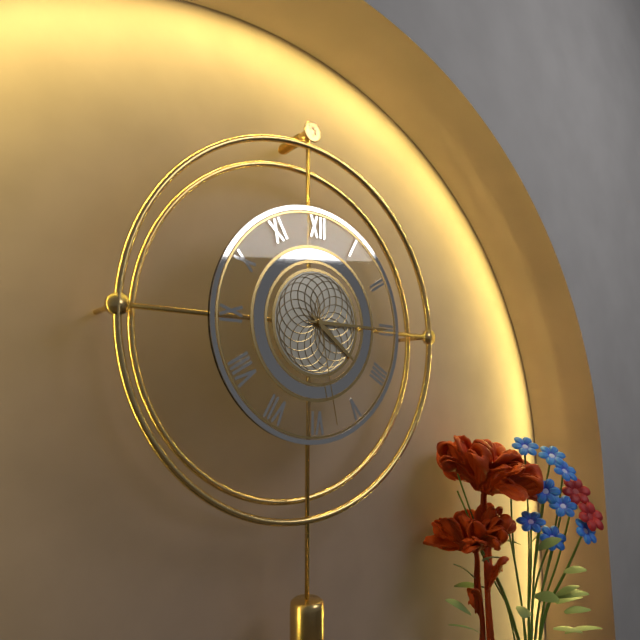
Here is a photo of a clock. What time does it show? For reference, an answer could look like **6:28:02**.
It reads **4:15:28**
